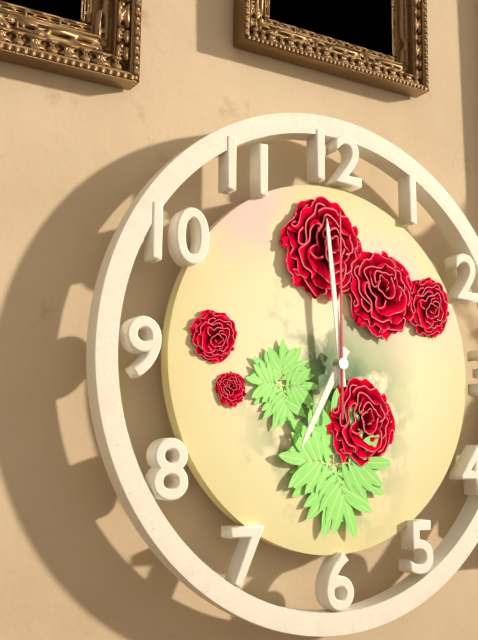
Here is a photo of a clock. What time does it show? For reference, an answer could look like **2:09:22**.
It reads **6:59:00**
